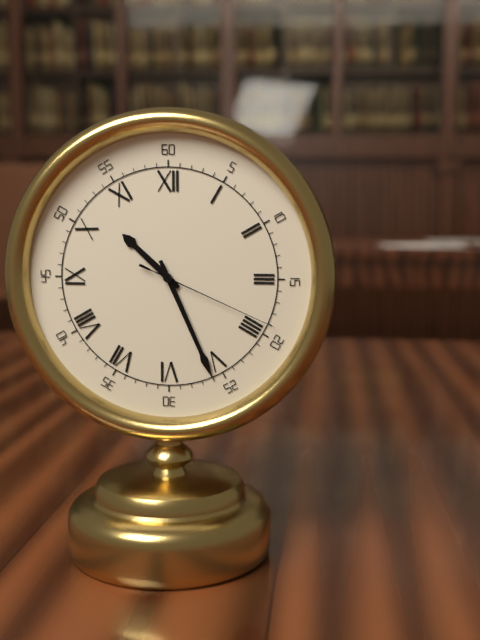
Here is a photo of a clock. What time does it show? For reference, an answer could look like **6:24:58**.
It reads **10:26:19**
